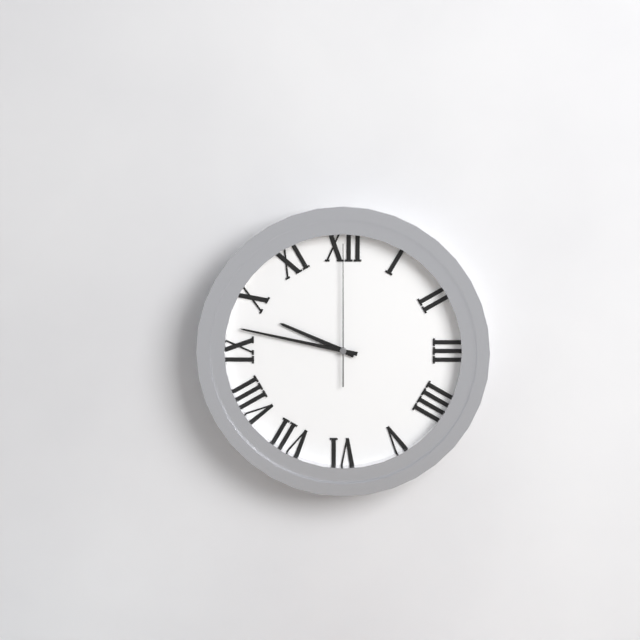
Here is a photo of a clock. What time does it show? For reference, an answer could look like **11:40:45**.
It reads **9:47:00**
